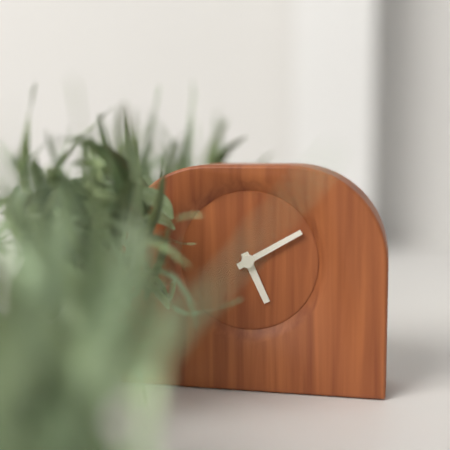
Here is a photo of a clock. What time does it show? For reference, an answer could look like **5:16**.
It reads **5:10**
